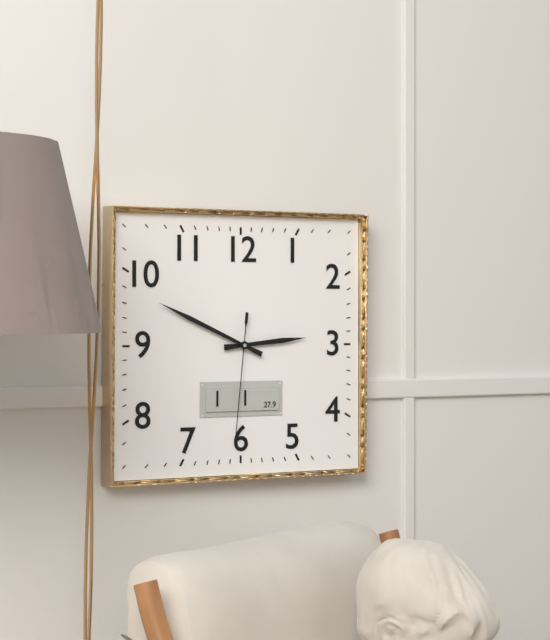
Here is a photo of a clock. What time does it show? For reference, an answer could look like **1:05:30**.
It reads **2:49:31**
